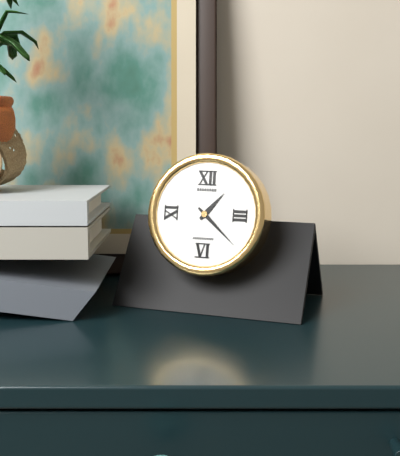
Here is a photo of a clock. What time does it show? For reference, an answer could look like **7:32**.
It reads **1:22**
